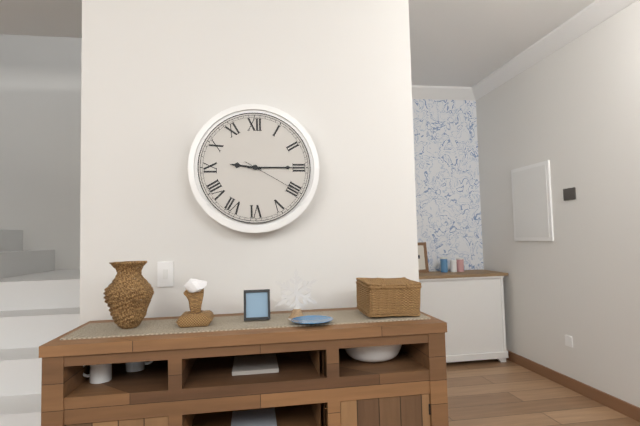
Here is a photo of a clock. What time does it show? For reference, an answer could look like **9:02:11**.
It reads **9:15:20**
